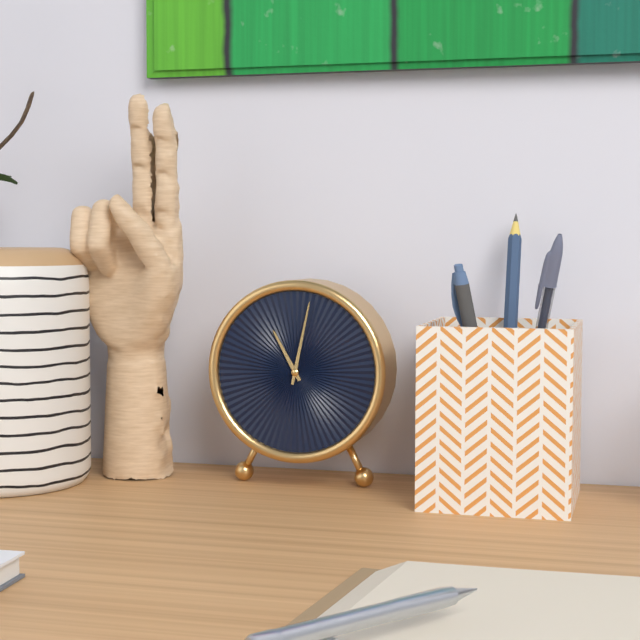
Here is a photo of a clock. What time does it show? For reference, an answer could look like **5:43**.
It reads **11:02**
